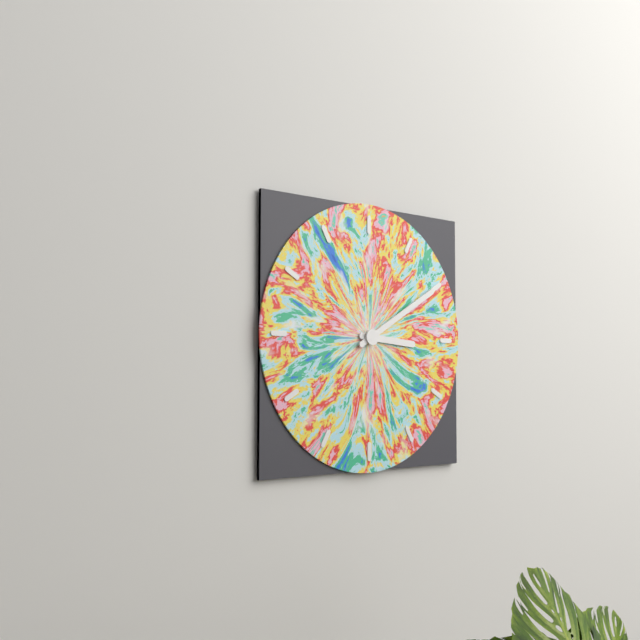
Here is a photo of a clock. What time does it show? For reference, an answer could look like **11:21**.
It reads **3:10**
